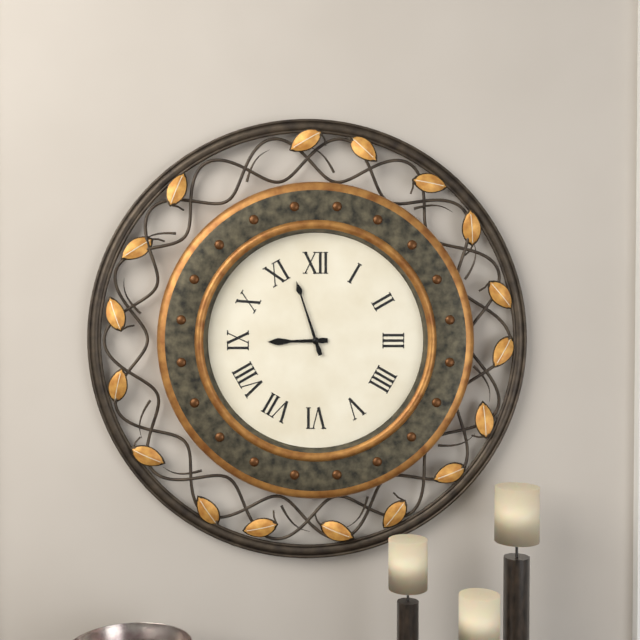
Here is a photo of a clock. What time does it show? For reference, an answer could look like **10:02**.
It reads **8:57**
